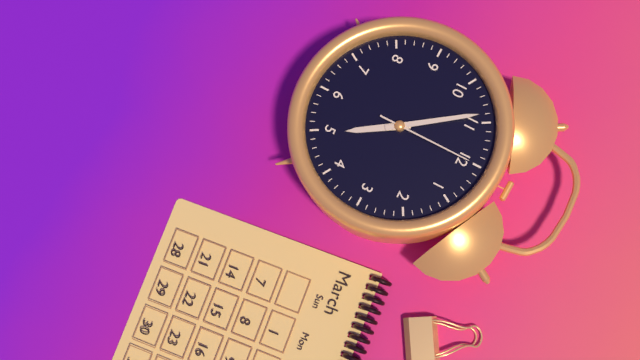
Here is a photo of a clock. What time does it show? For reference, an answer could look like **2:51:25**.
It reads **4:54:00**
